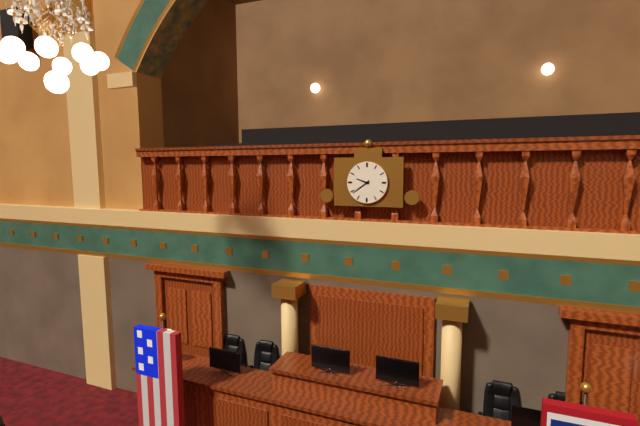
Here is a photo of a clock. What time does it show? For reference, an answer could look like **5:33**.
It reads **9:39**
